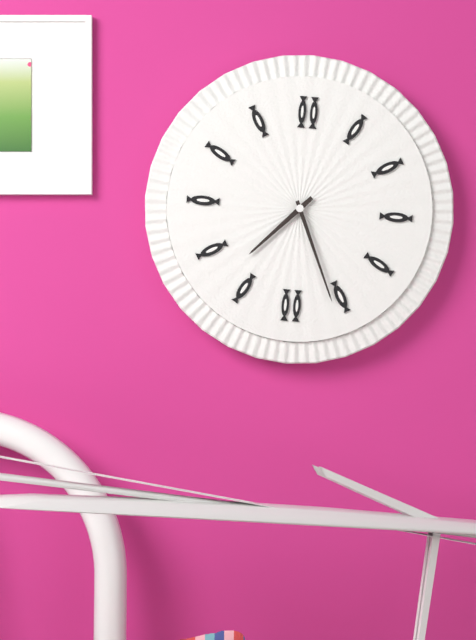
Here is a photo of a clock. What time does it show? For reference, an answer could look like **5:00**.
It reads **7:26**
